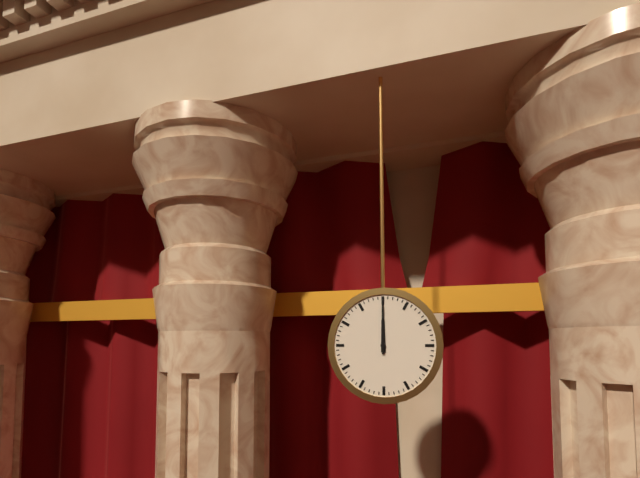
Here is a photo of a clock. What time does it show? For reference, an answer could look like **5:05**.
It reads **12:00**
